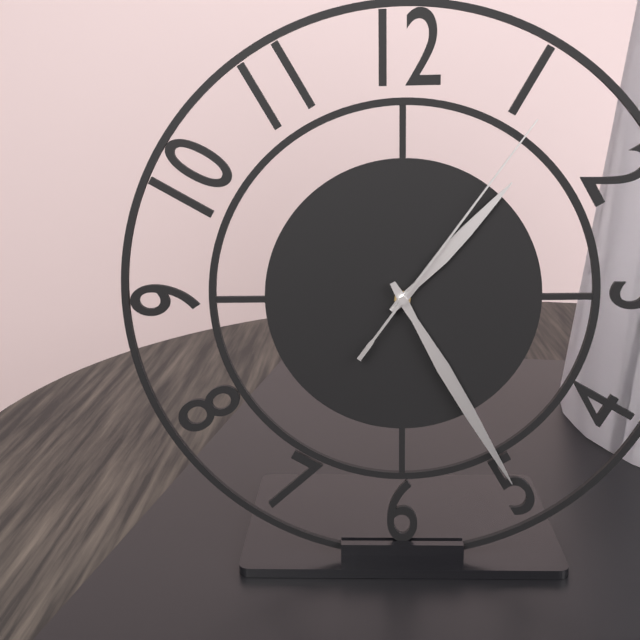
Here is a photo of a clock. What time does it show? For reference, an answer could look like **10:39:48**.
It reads **1:25:06**
